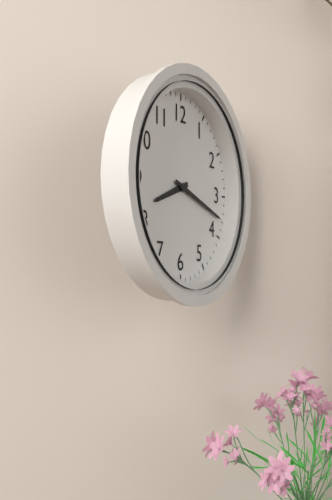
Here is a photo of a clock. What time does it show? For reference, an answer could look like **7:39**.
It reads **8:18**
